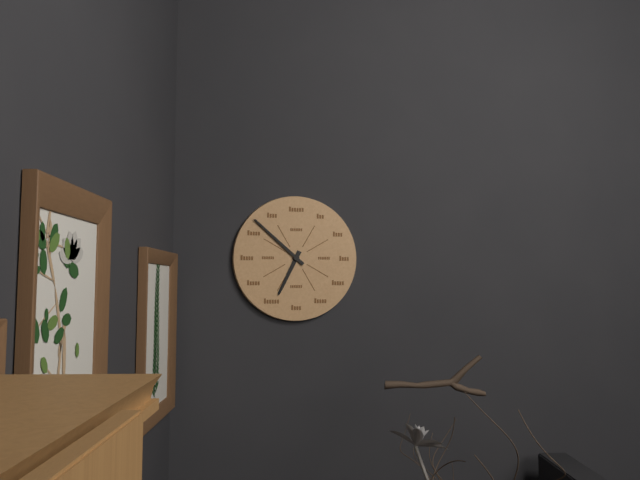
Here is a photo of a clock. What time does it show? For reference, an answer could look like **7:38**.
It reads **6:52**
